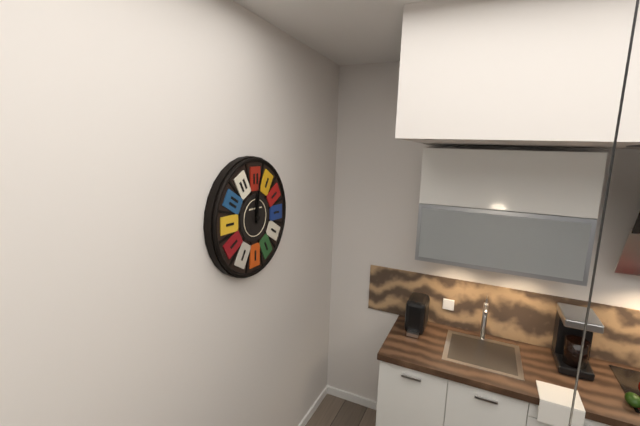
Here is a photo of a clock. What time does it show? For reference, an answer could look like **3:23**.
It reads **12:01**
